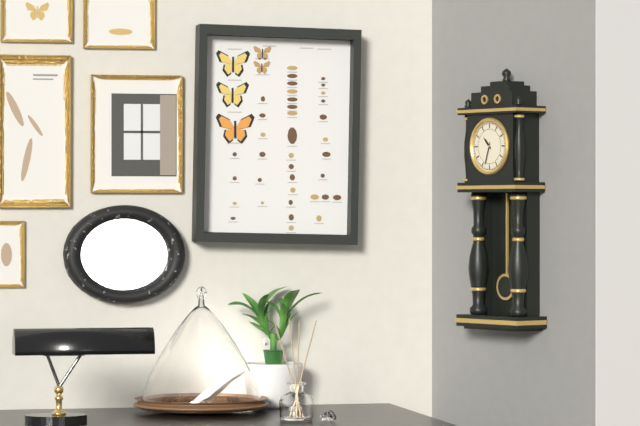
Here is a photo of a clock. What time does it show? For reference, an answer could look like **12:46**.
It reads **10:33**
